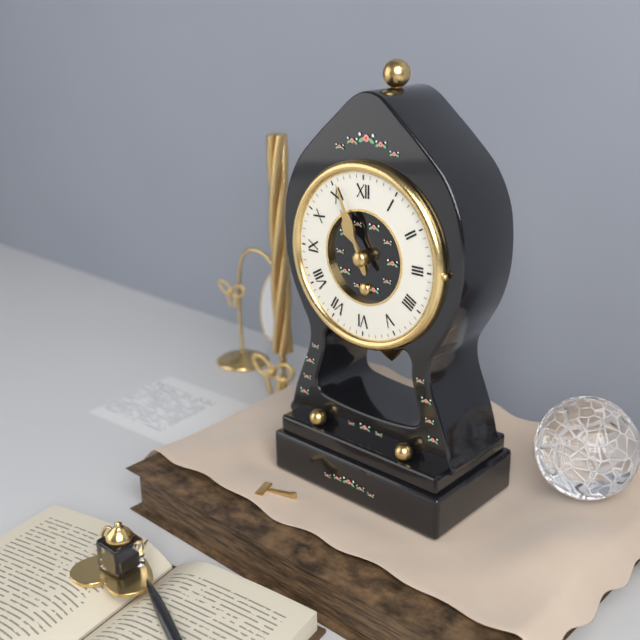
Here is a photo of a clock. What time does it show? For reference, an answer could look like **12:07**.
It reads **10:56**
